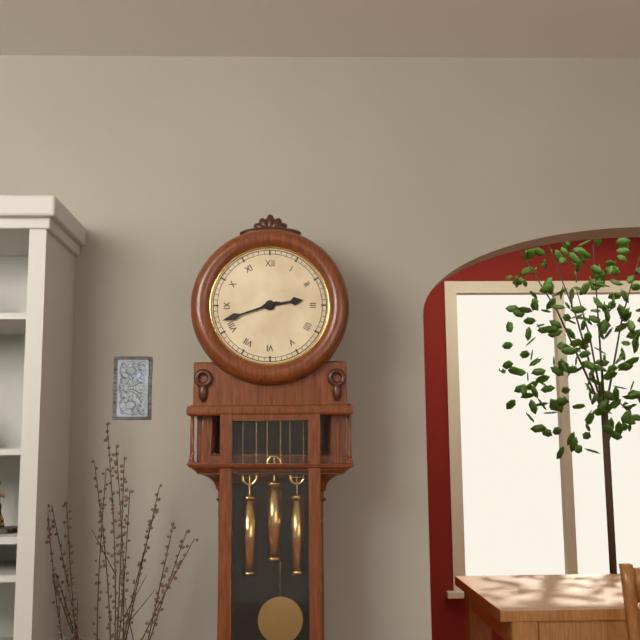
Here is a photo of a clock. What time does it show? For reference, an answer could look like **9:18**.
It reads **2:42**
